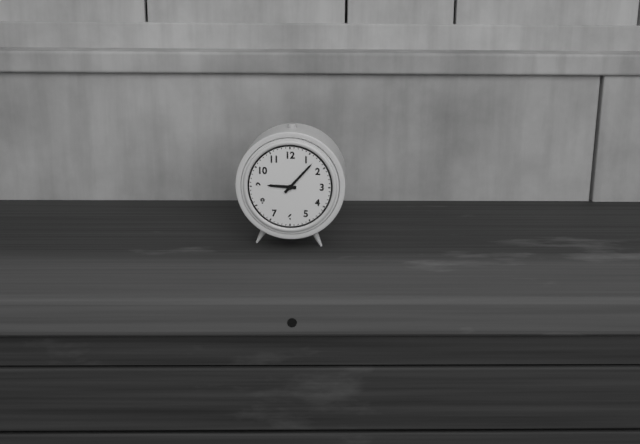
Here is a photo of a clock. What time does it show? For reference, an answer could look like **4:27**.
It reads **9:07**
